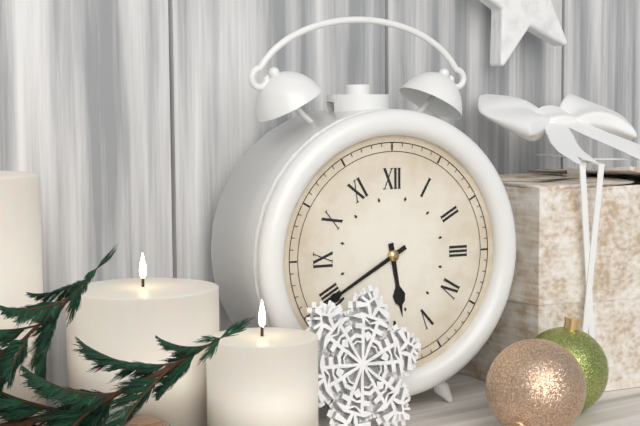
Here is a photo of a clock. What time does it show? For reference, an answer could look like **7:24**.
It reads **5:40**
